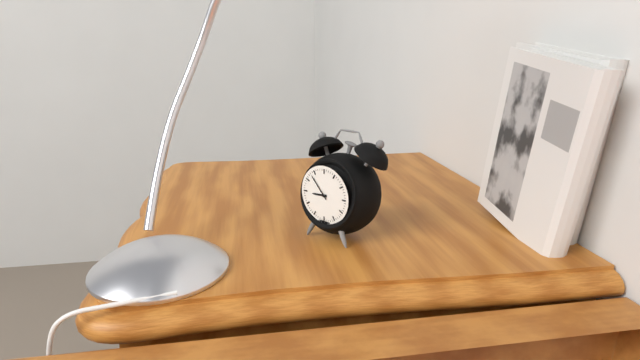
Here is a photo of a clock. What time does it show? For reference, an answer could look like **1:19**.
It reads **8:53**
